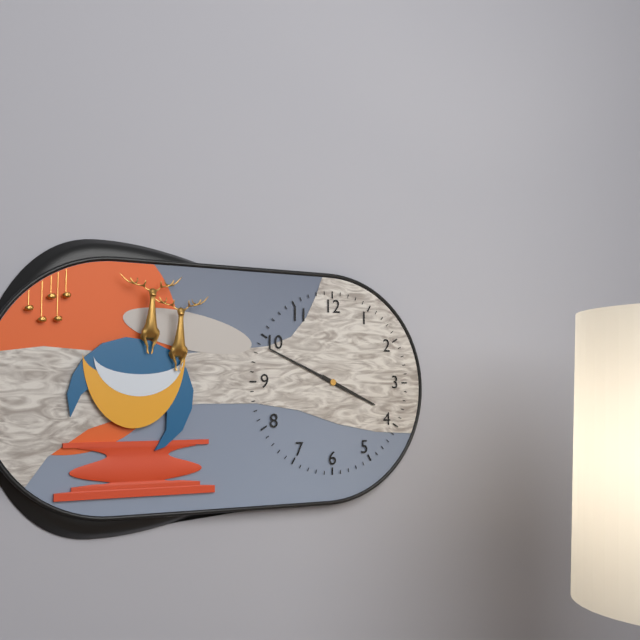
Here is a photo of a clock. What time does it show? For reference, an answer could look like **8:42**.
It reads **3:49**
